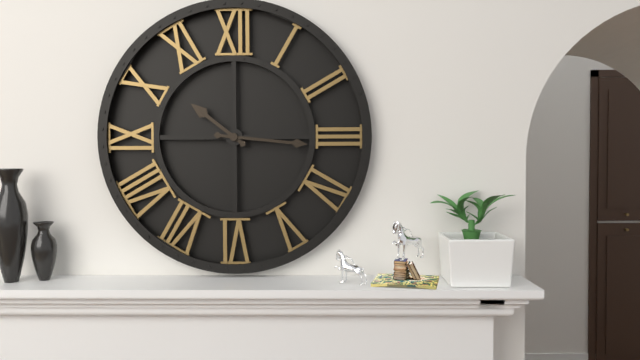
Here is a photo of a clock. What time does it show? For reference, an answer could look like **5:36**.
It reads **10:16**
